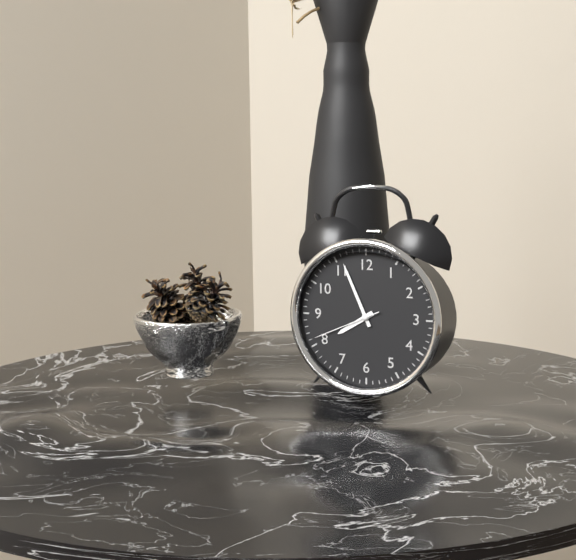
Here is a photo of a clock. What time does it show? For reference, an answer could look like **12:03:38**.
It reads **7:56:41**
